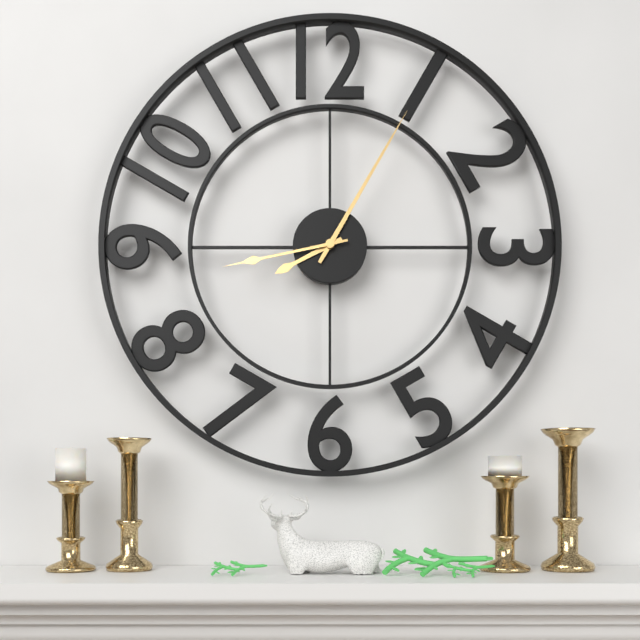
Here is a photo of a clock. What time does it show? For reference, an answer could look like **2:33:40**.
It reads **8:05:43**
